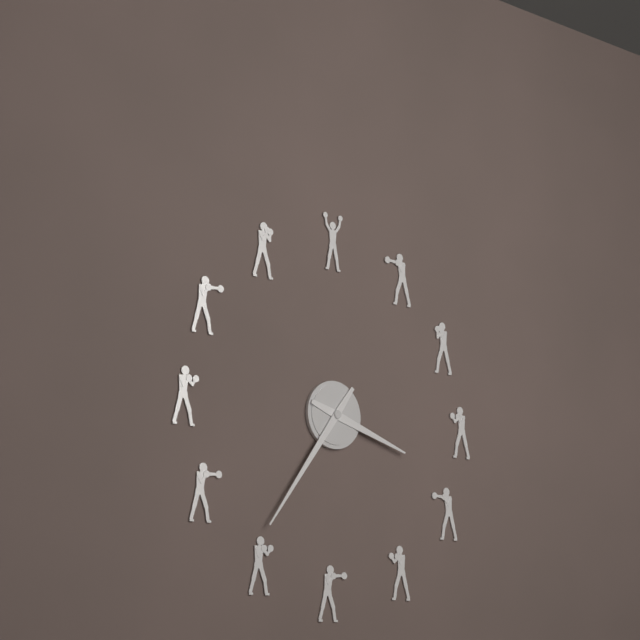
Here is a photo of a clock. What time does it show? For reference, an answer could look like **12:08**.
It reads **3:36**
